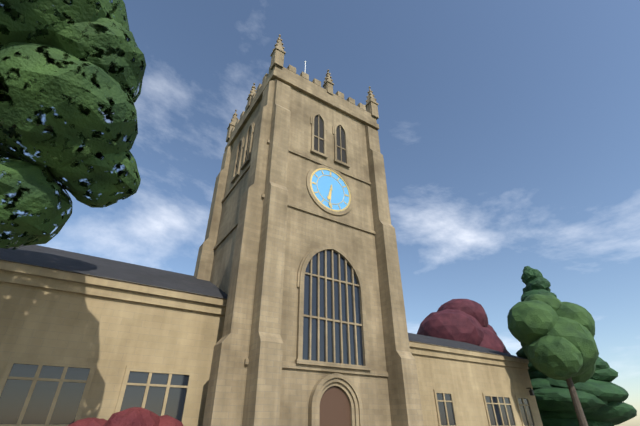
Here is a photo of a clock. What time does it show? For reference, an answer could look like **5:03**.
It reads **6:31**
